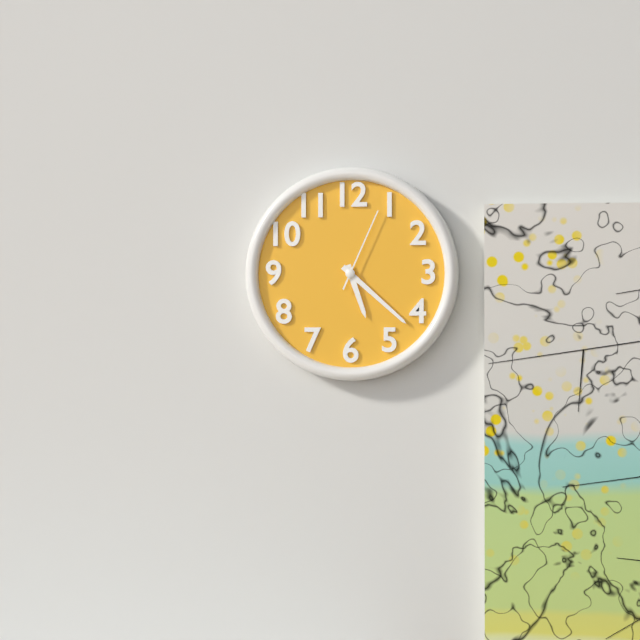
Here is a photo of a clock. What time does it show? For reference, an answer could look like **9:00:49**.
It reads **5:22:04**
